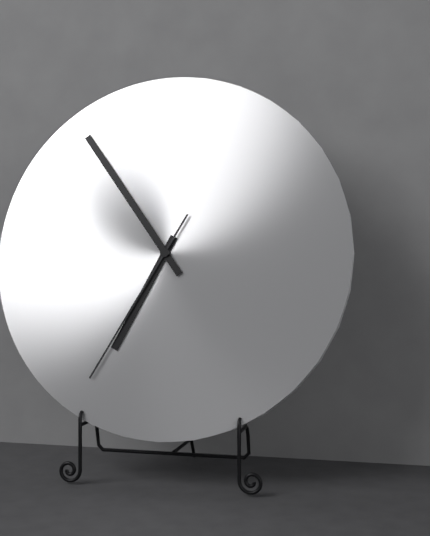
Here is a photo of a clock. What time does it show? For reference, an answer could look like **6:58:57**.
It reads **6:54:35**
